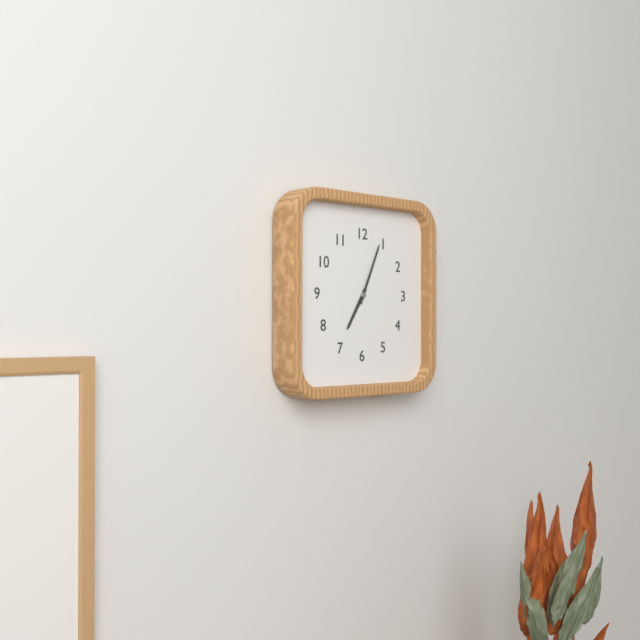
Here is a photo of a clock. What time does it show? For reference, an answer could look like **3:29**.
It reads **7:04**
